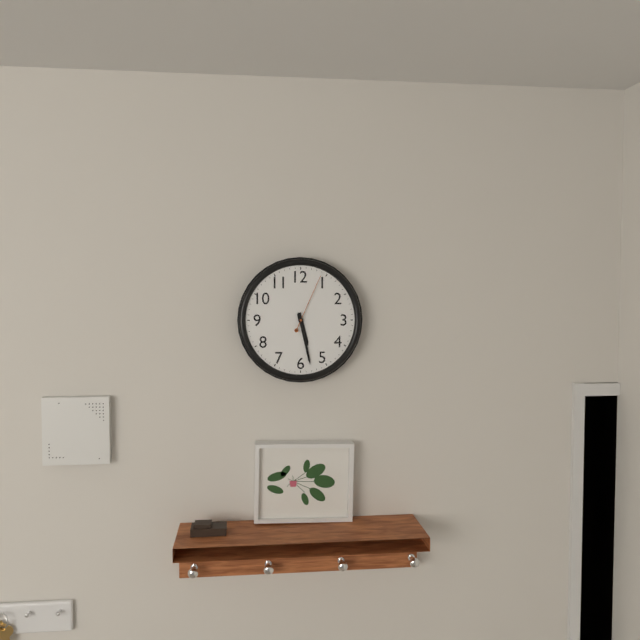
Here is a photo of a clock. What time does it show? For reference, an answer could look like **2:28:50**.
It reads **5:28:04**
